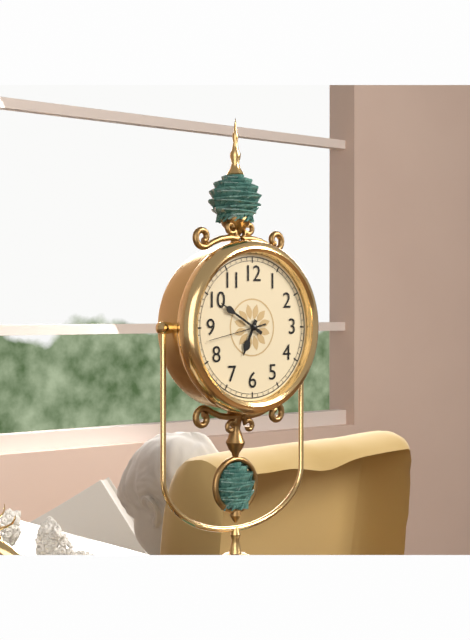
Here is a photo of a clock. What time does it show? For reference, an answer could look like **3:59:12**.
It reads **6:50:43**
